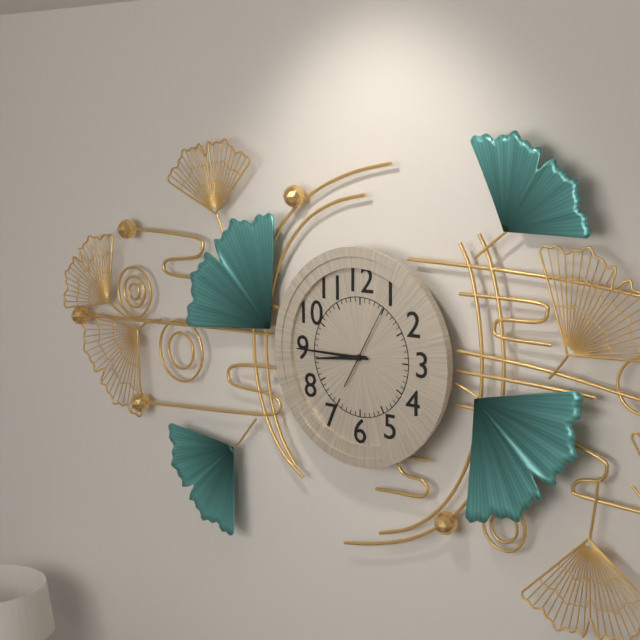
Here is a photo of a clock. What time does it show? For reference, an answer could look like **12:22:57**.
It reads **8:45:05**
